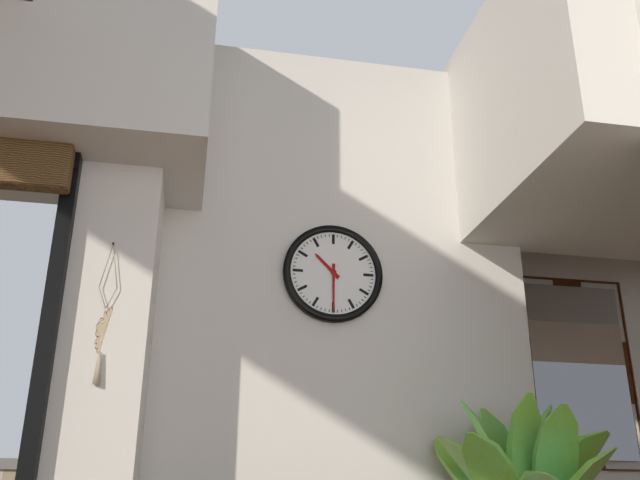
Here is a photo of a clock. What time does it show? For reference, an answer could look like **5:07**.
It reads **10:30**
